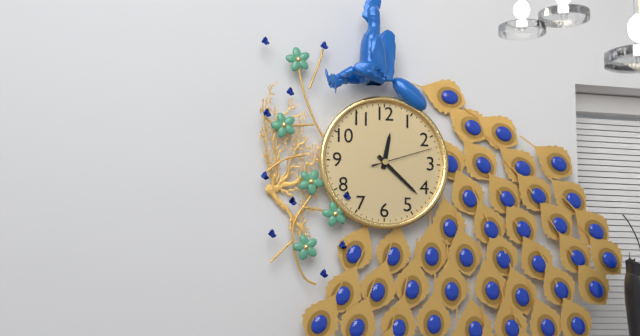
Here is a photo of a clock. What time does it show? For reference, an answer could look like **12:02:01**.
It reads **12:22:12**
